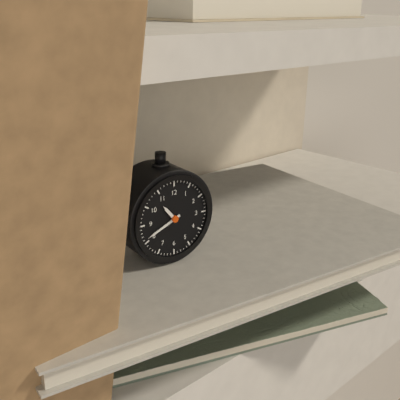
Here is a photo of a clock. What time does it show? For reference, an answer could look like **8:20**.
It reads **10:41**
